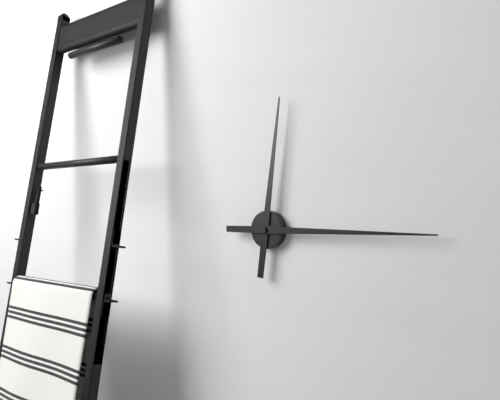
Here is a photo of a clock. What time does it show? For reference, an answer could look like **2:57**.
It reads **12:15**
